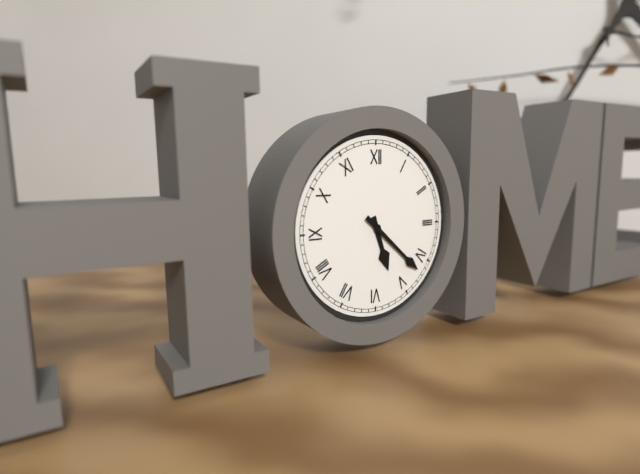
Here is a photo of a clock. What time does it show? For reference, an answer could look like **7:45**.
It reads **5:22**
